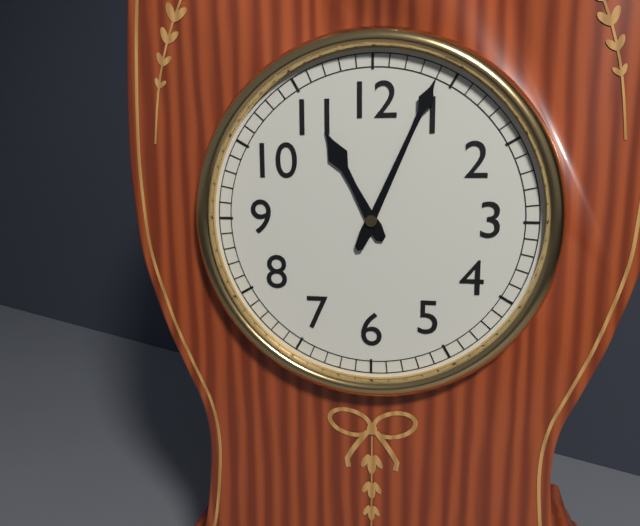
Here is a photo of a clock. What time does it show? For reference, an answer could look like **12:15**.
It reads **11:04**
